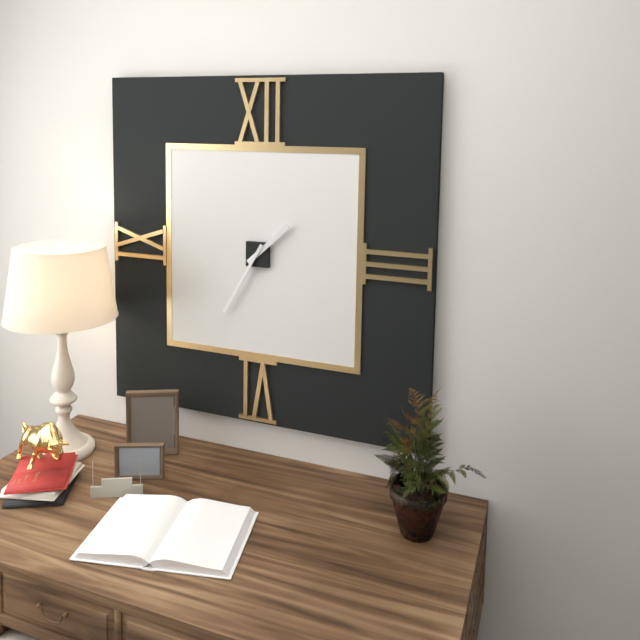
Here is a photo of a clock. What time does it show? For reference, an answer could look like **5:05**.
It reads **1:35**
